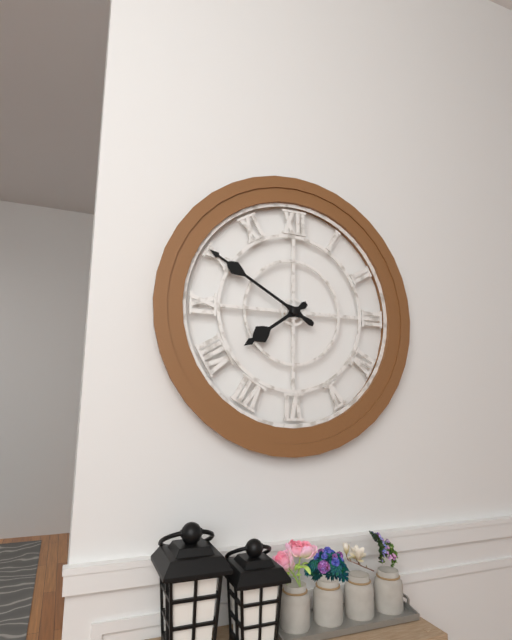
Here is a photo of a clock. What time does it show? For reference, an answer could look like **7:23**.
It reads **7:50**
